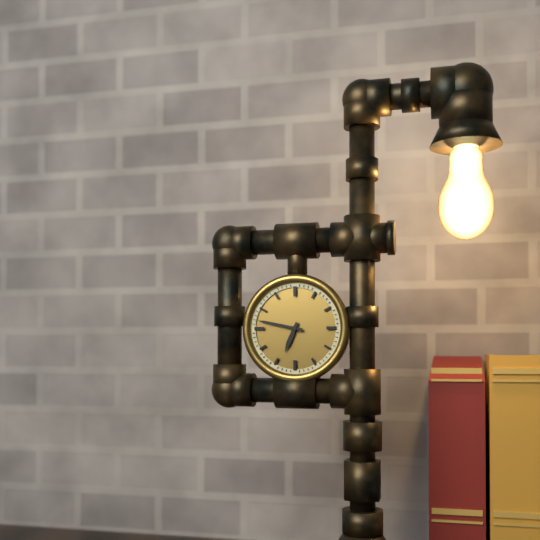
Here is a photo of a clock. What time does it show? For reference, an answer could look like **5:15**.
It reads **6:47**
